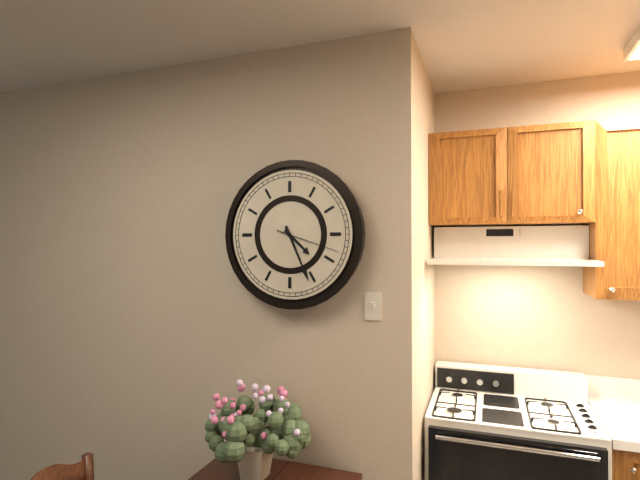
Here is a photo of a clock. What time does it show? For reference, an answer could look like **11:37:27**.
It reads **4:26:18**
